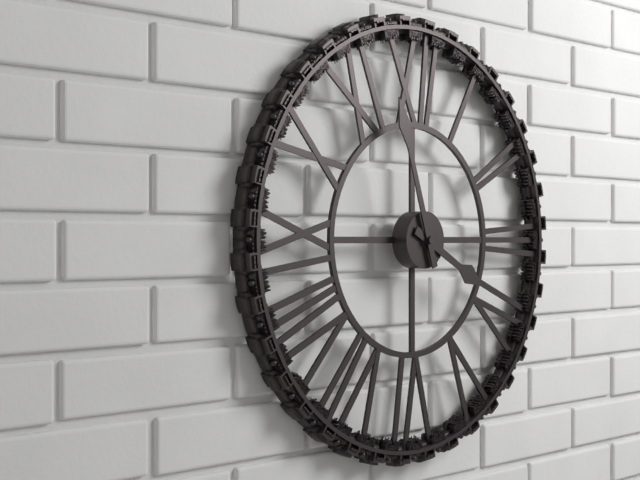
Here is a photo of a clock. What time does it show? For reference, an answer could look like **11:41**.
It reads **3:57**
